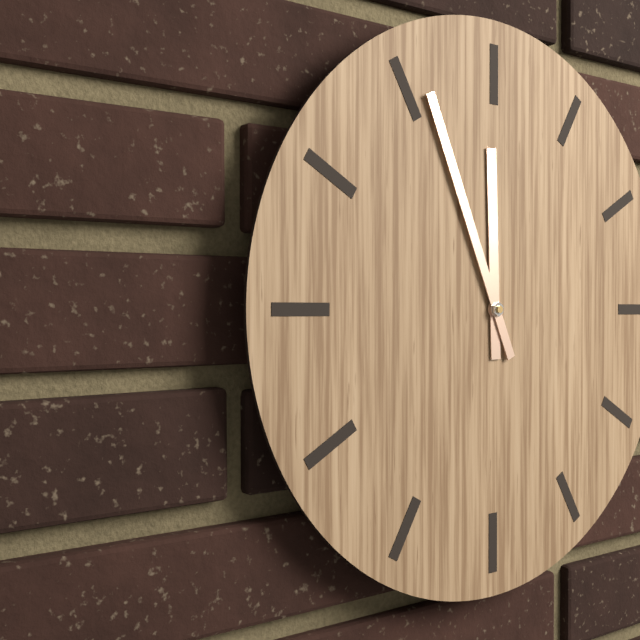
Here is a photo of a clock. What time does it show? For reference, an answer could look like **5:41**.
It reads **11:56**
